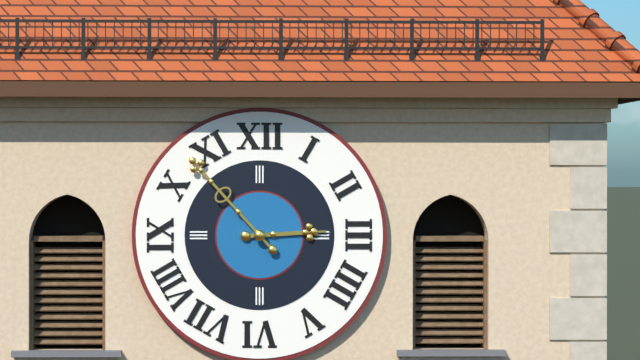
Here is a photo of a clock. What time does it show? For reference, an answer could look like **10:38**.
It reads **2:53**
